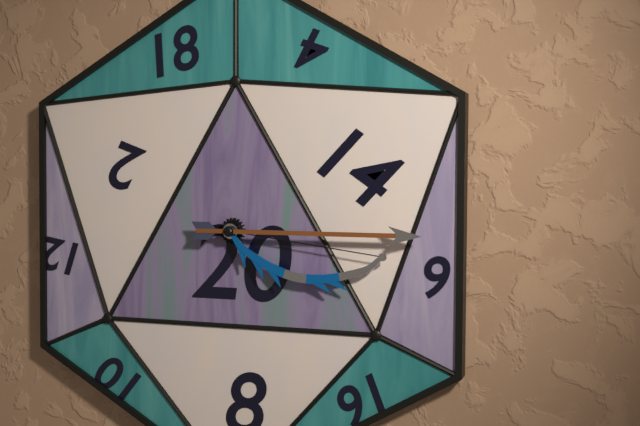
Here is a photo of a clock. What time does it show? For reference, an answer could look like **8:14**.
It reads **3:15**
